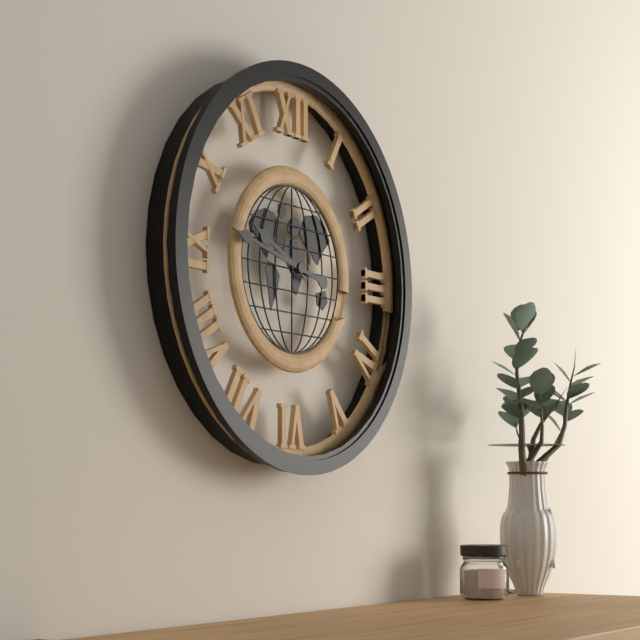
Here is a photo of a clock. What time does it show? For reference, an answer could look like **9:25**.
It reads **9:47**
